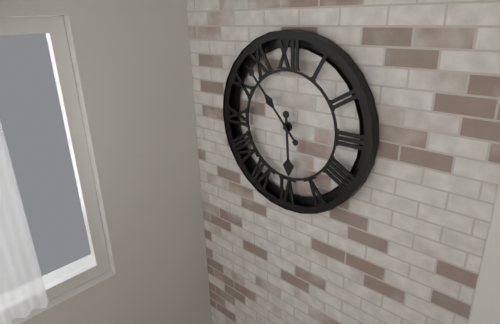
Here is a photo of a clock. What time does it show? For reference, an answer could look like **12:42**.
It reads **5:53**
